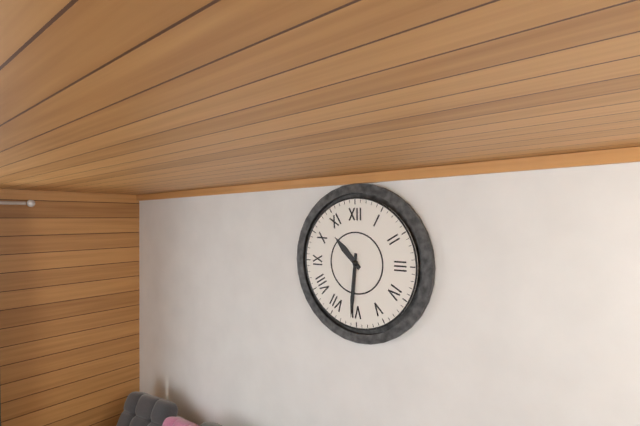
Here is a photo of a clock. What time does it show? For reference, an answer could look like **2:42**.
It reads **10:31**
